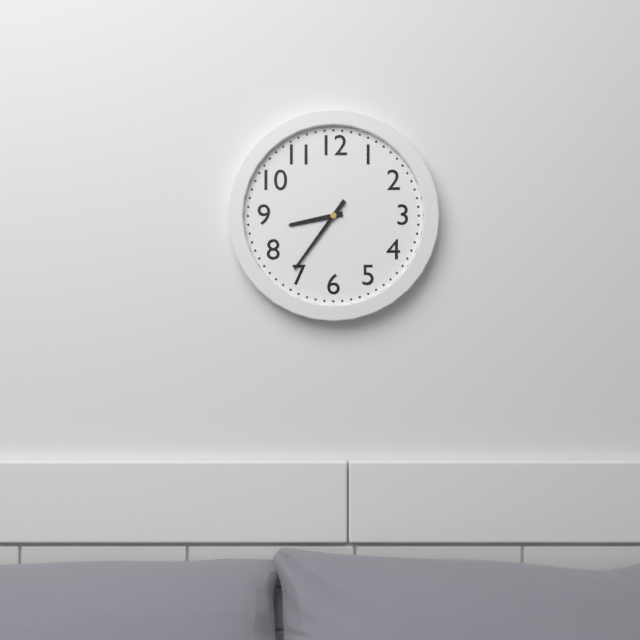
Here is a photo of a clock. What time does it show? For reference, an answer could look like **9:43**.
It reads **8:36**
